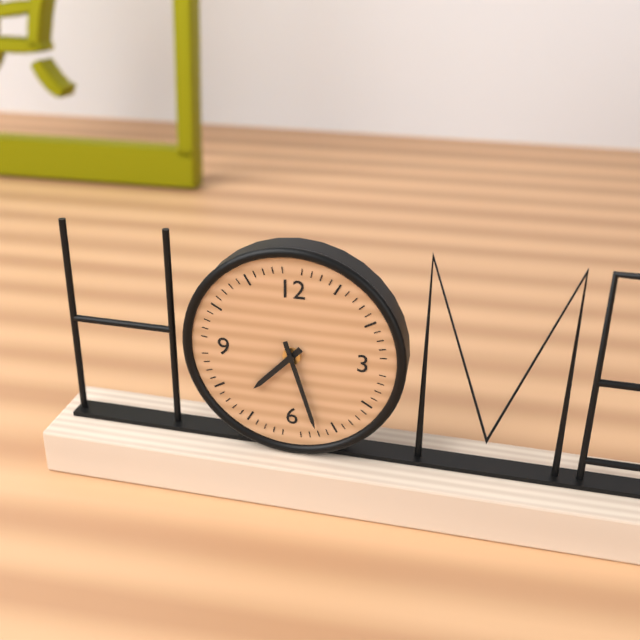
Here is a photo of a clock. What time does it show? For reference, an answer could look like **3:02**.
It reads **7:27**
